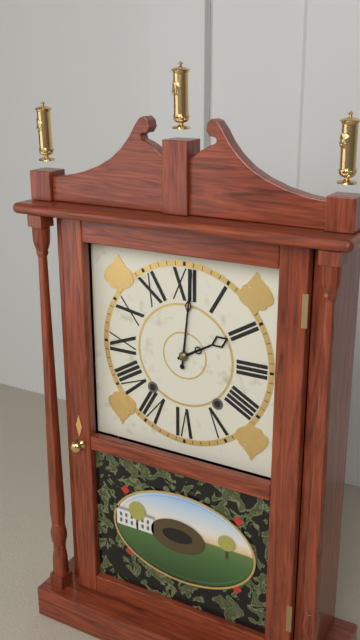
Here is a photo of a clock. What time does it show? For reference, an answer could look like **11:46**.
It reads **2:01**
